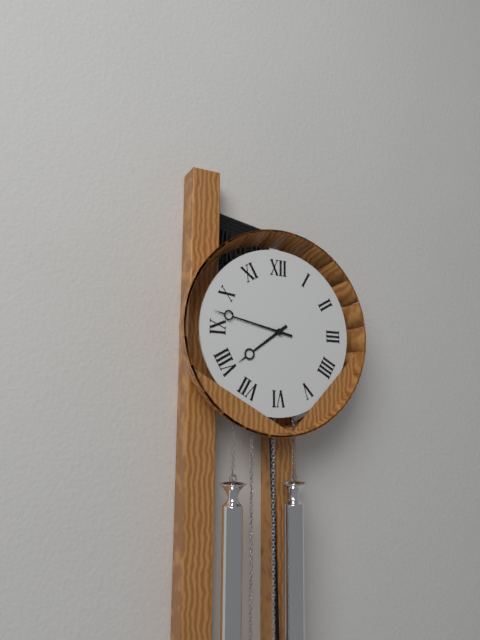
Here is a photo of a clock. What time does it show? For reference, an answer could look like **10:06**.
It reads **7:47**
